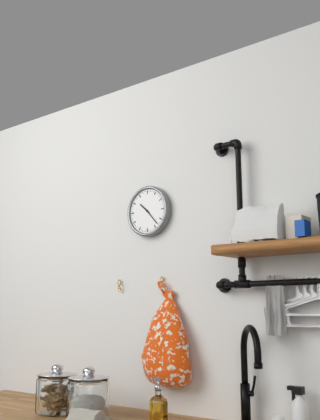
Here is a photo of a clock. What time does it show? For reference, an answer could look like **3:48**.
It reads **10:23**
